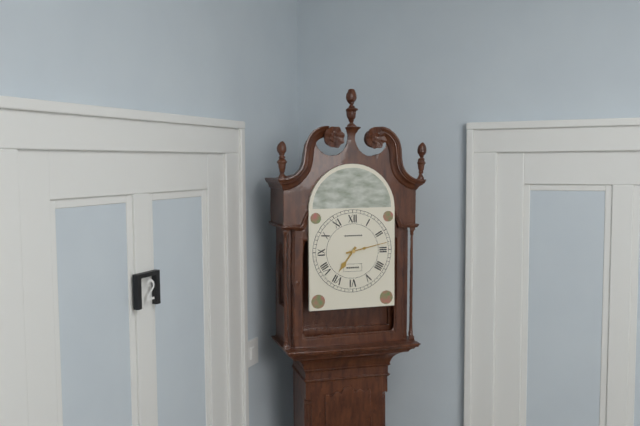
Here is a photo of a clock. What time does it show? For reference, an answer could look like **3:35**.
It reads **7:13**
